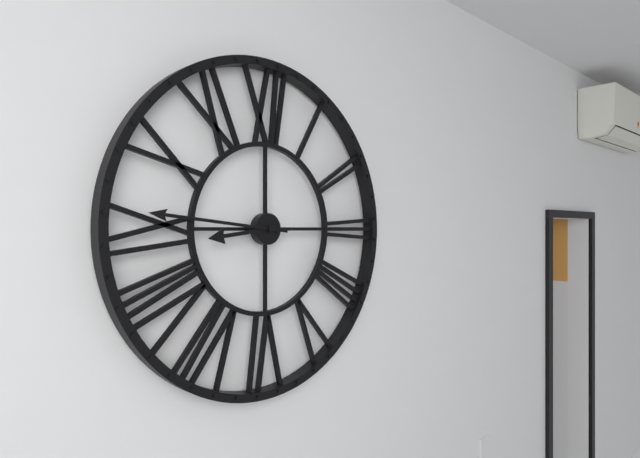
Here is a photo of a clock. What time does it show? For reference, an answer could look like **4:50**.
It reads **8:46**
